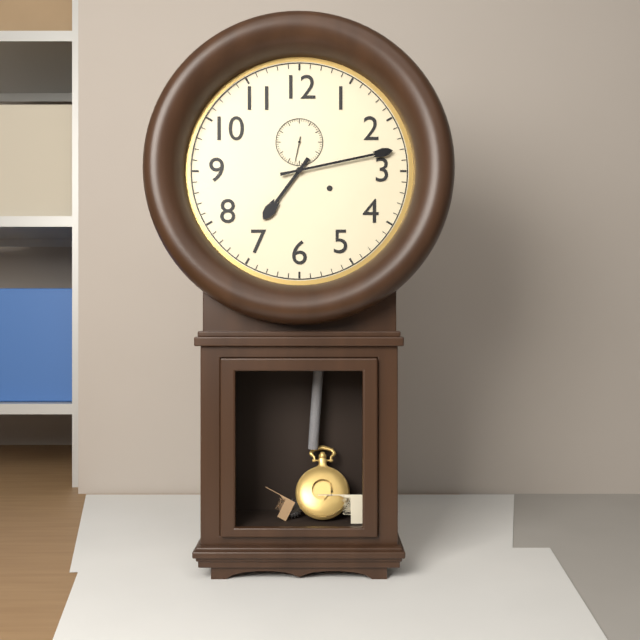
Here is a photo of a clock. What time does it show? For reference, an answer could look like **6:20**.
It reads **7:13**
